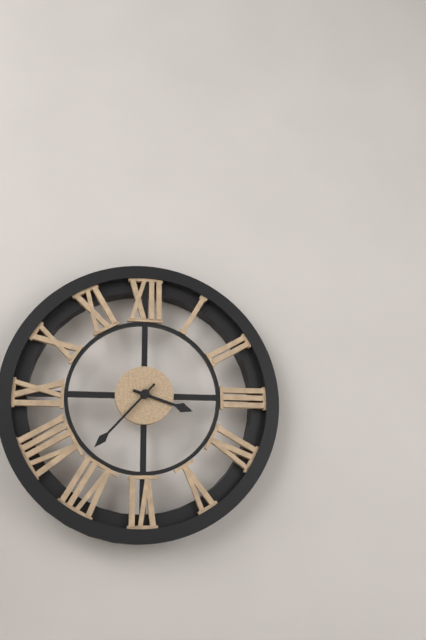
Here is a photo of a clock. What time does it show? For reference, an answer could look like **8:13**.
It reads **3:37**
